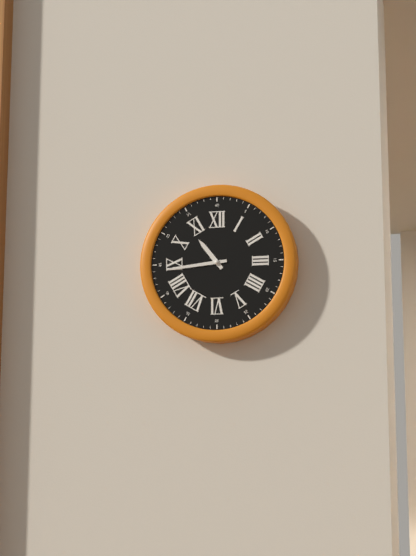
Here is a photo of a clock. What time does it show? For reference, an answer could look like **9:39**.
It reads **10:44**
